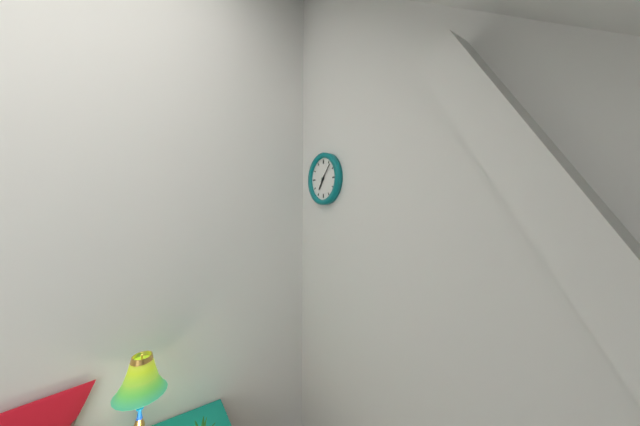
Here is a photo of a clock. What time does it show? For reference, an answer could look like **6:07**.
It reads **7:07**
